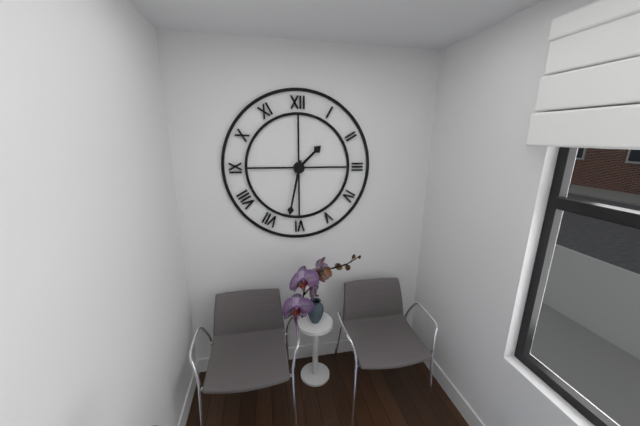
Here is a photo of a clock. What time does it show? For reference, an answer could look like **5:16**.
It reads **1:32**
